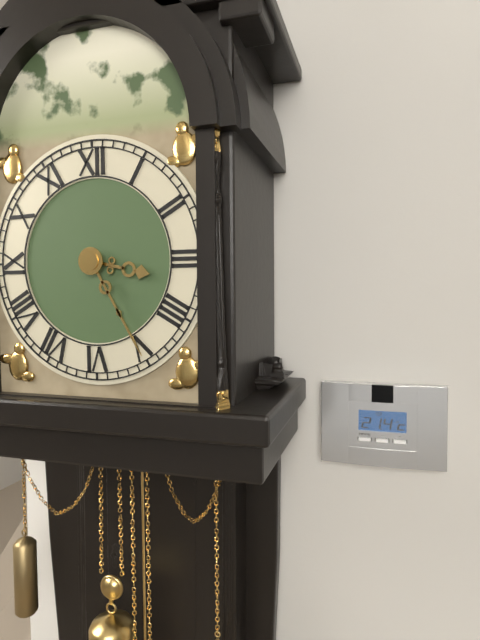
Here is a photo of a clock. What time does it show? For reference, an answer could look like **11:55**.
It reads **3:25**
